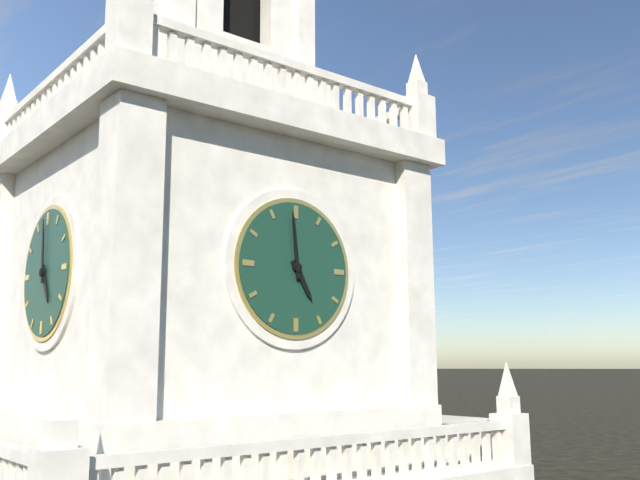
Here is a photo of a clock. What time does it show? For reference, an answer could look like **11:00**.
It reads **4:59**
